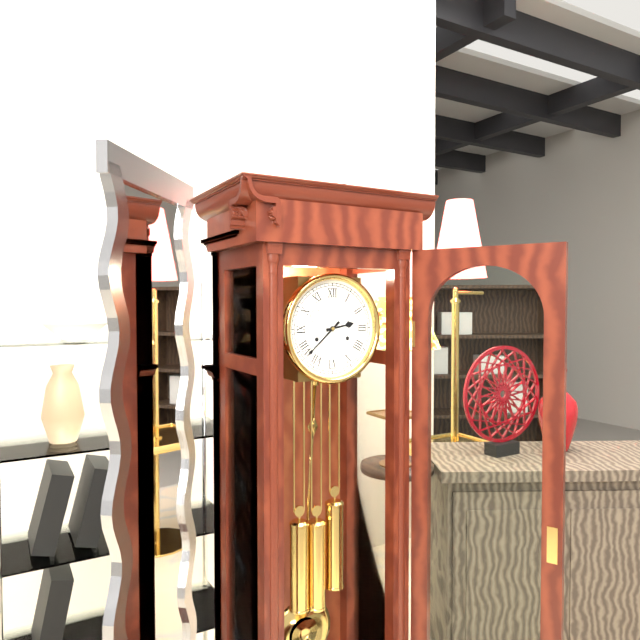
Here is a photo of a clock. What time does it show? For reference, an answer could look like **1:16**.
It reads **2:38**
